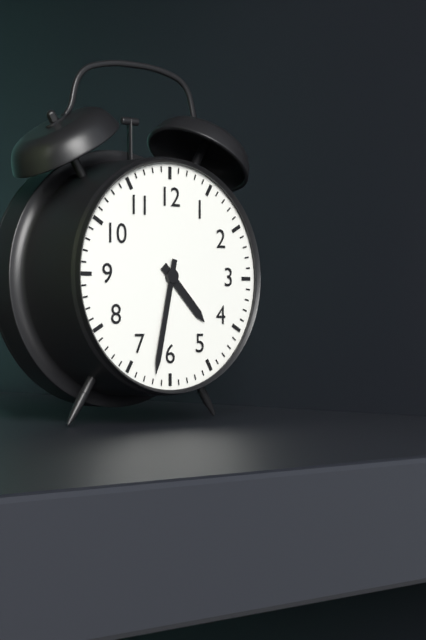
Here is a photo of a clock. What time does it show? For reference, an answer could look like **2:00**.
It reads **4:32**
